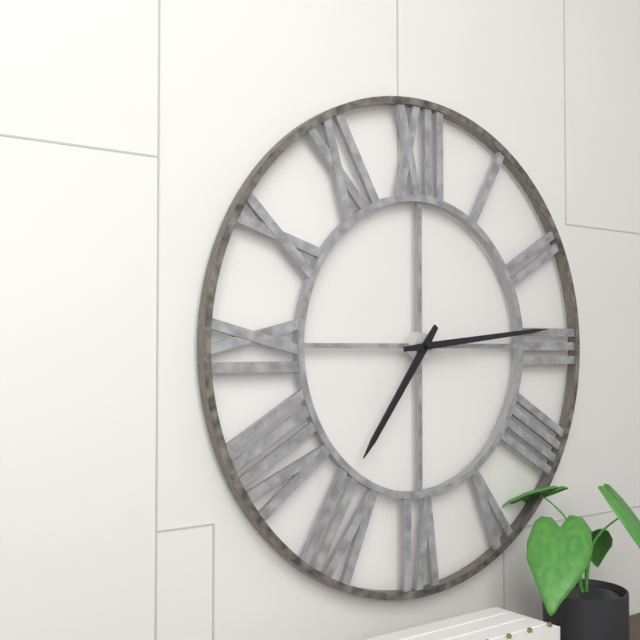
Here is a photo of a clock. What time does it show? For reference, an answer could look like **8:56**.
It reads **7:14**
